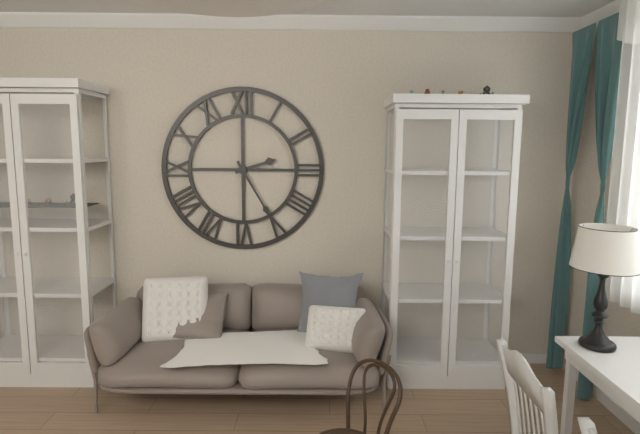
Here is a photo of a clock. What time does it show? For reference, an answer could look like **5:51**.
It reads **2:25**
